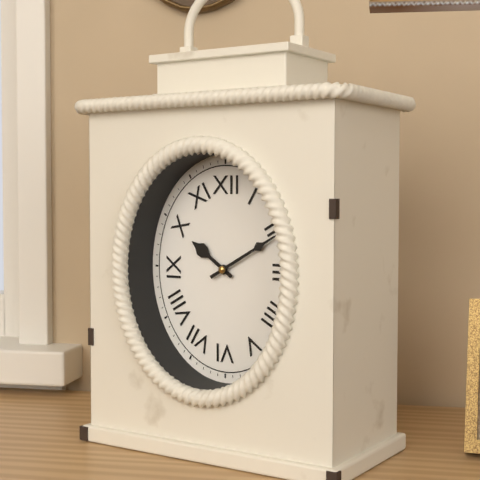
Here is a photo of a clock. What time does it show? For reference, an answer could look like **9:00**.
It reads **10:10**
